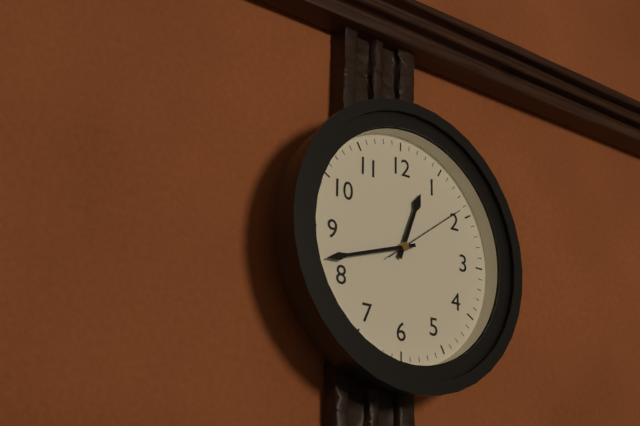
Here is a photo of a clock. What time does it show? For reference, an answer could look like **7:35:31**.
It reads **12:42:09**
